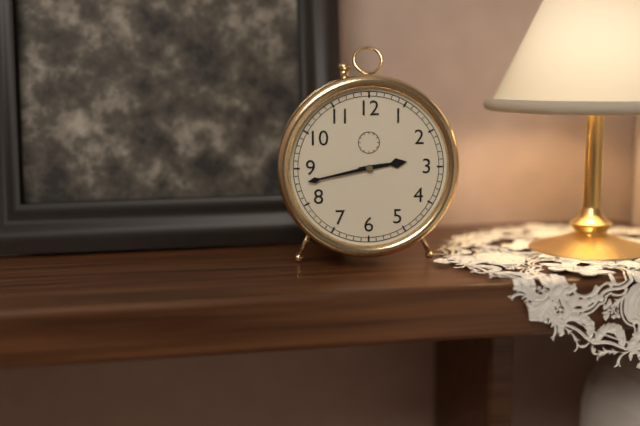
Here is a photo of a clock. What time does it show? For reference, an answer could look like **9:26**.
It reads **2:43**
